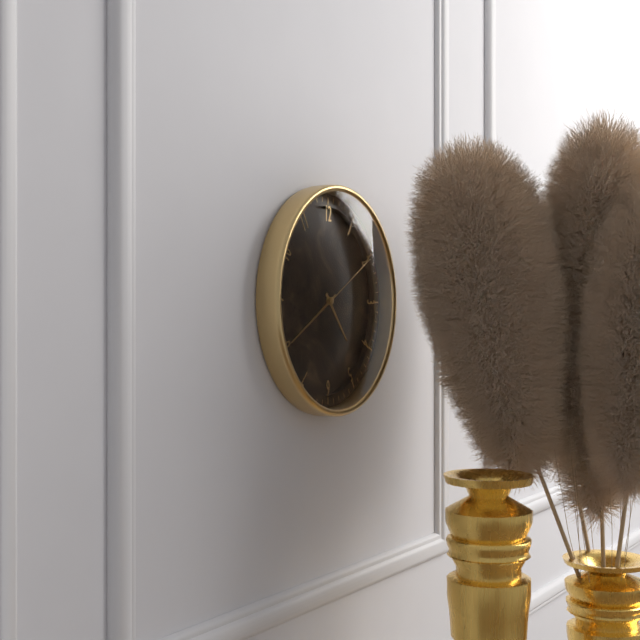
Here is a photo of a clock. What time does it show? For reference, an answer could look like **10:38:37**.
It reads **4:40:10**
